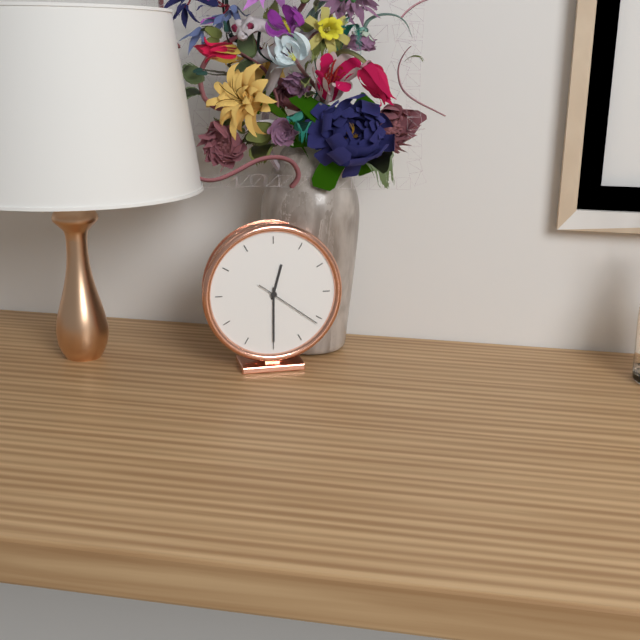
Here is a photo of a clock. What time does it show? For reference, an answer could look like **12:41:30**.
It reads **12:30:21**
